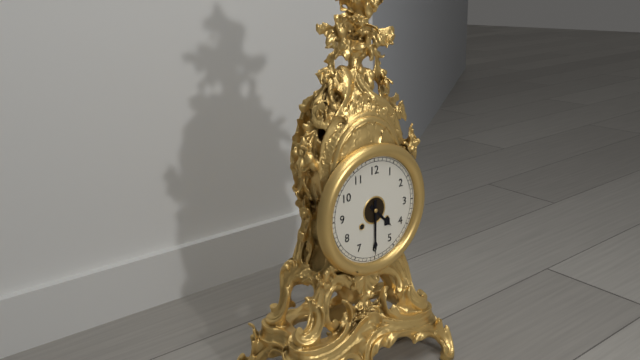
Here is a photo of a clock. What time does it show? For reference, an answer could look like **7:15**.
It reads **4:30**
